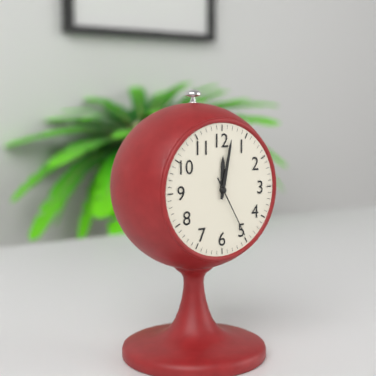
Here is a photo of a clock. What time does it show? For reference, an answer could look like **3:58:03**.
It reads **12:02:25**
